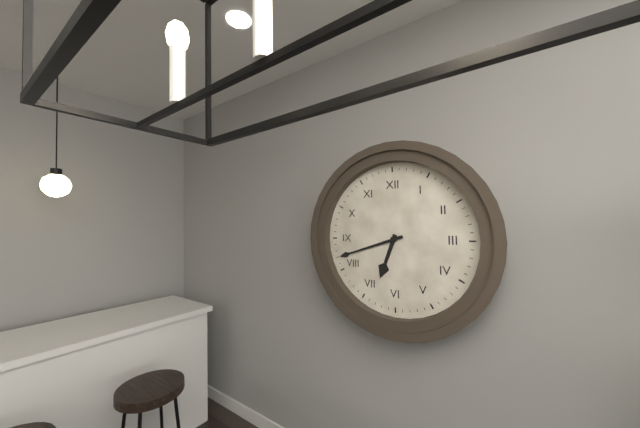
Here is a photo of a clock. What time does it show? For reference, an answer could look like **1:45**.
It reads **6:42**
